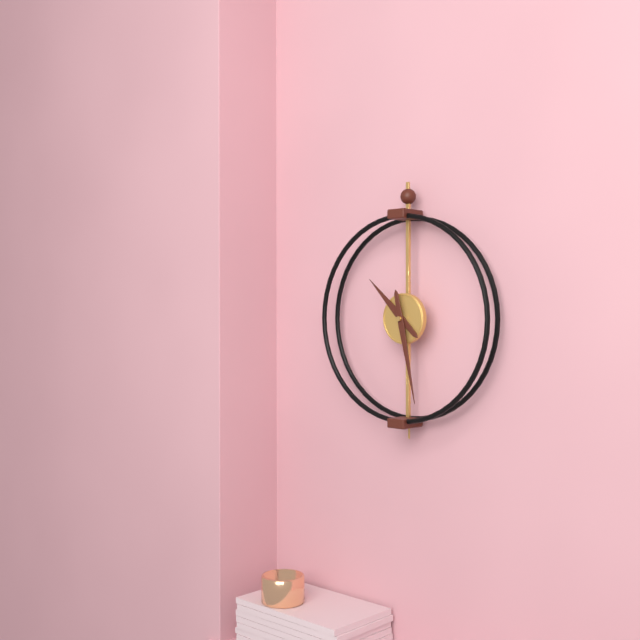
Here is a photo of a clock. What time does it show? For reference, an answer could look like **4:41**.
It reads **10:28**
